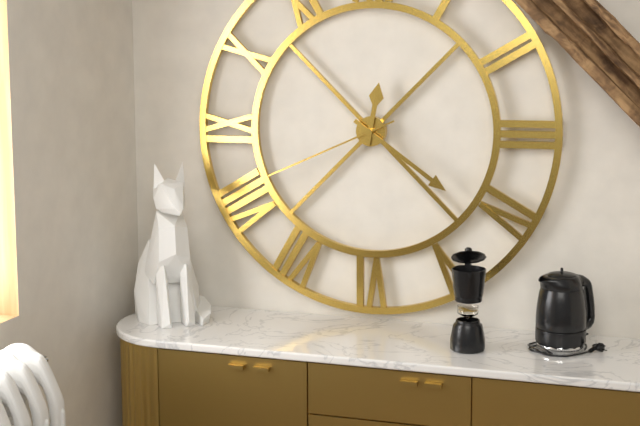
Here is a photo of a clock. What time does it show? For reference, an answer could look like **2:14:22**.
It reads **12:21:41**
